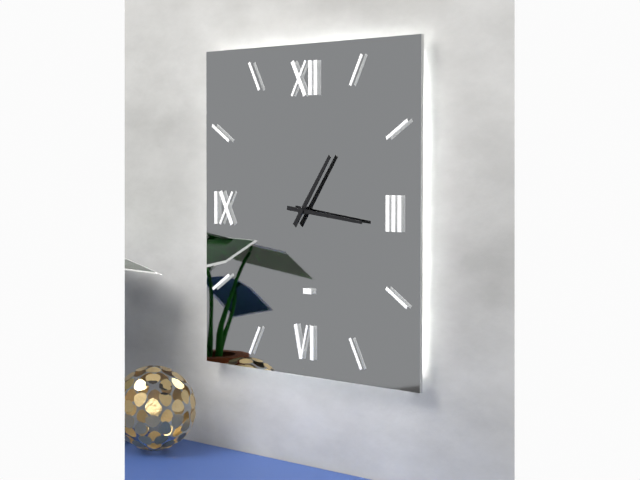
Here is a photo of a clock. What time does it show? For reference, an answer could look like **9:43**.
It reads **1:16**
